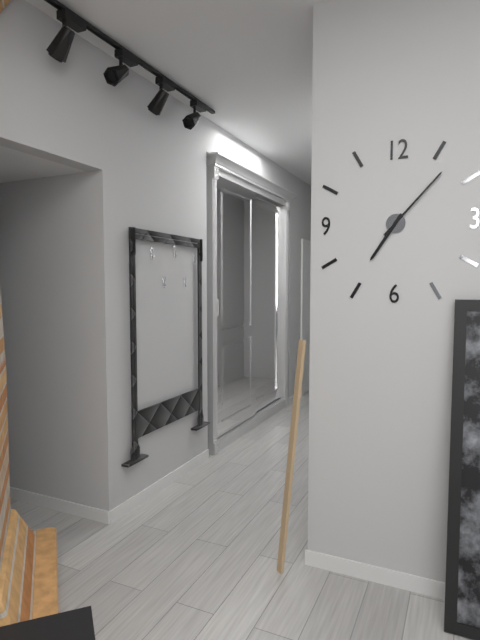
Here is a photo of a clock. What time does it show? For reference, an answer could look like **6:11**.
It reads **7:07**
